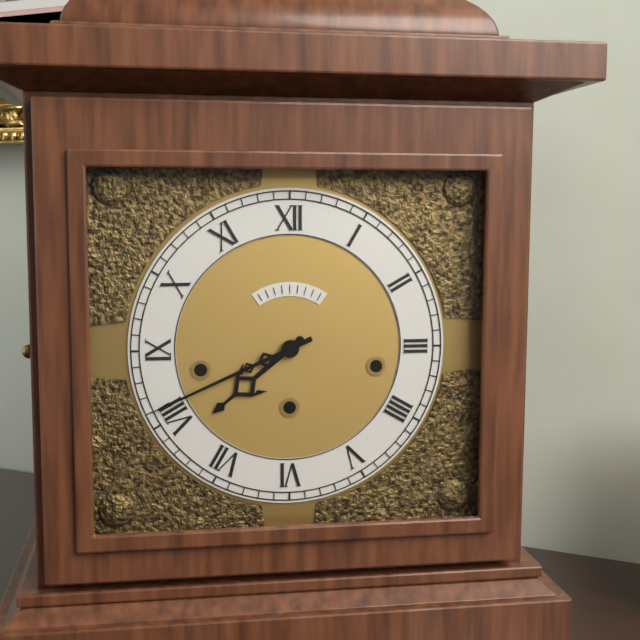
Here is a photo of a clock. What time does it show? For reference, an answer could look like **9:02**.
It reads **7:41**
